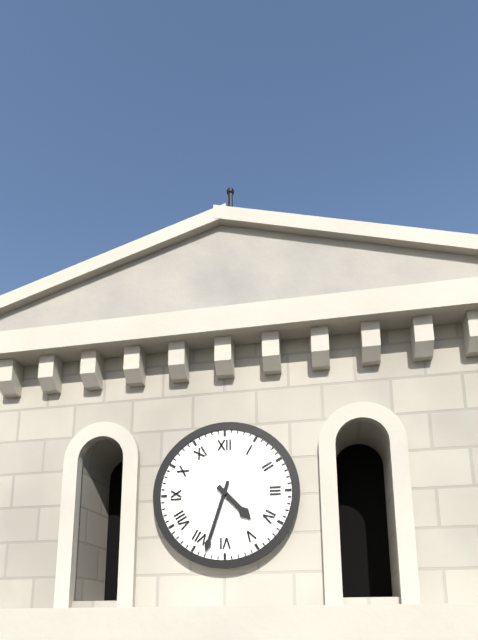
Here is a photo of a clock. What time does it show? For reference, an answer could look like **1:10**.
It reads **4:33**
